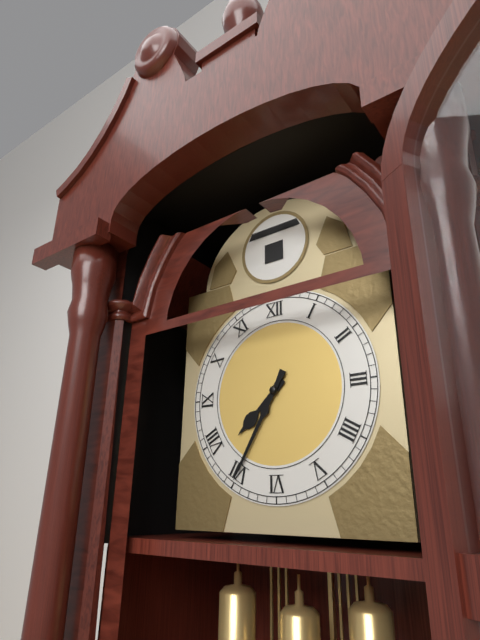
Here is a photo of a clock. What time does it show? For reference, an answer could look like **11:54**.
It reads **7:35**
